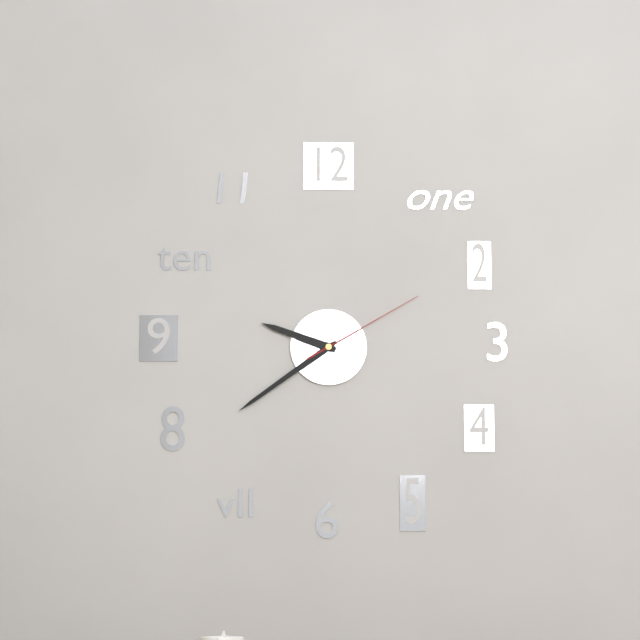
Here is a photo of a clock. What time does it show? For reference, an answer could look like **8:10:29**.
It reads **9:39:10**
